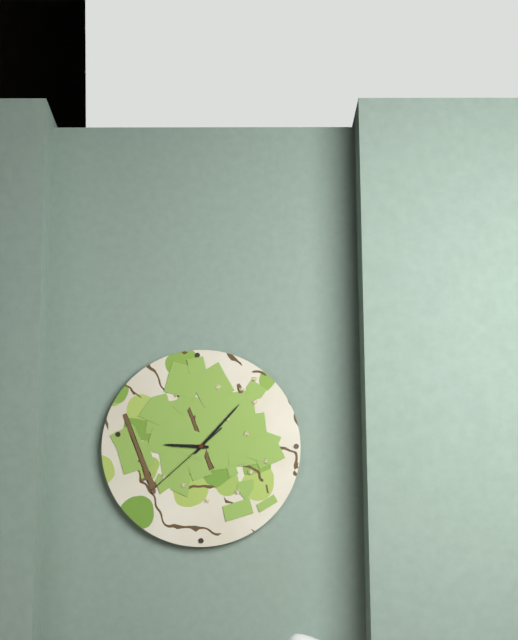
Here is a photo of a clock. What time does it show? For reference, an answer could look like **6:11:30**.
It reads **9:07:38**
